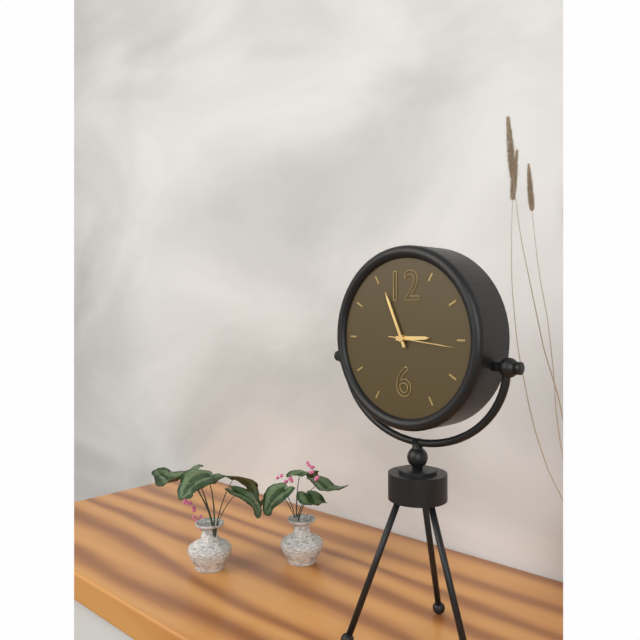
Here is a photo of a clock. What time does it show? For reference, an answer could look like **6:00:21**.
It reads **2:56:16**
